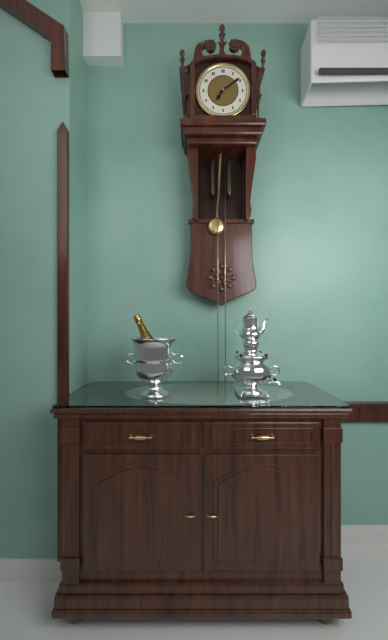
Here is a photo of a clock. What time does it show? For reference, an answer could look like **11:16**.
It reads **7:09**
